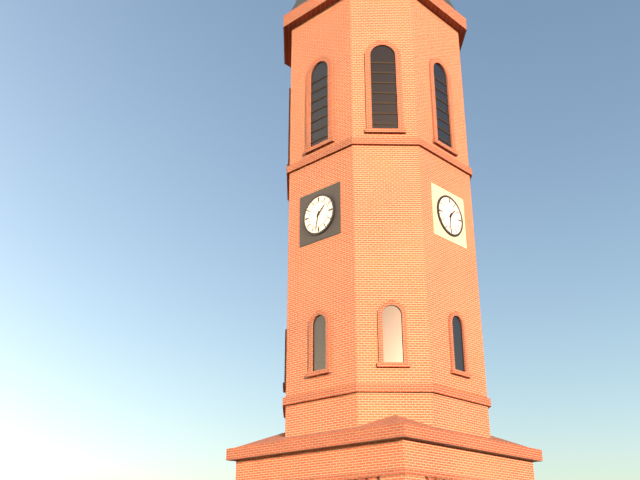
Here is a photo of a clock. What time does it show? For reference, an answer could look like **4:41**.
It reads **1:32**
